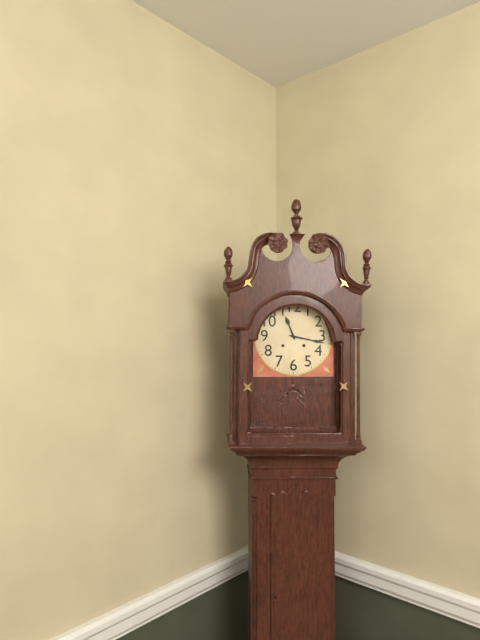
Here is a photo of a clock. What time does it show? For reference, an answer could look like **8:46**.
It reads **11:17**
